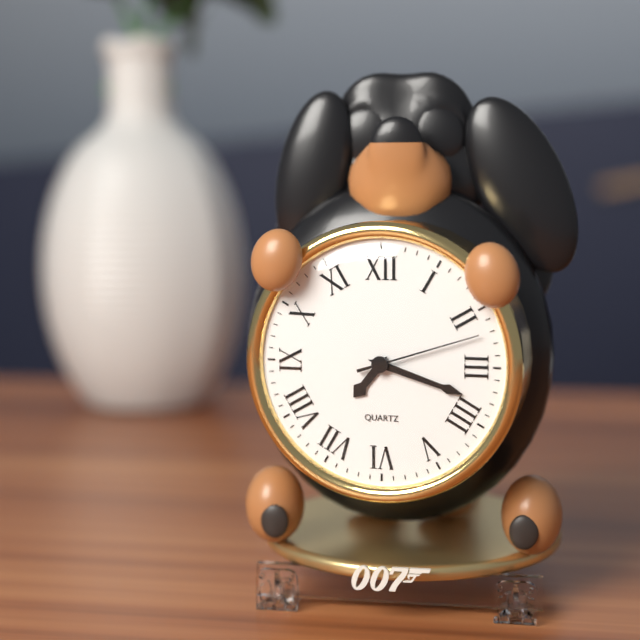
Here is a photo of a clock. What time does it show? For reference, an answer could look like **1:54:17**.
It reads **7:18:12**
